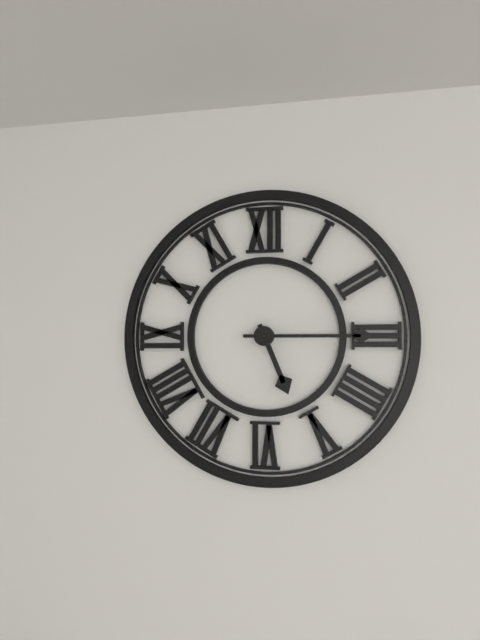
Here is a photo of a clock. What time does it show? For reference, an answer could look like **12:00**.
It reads **5:15**
